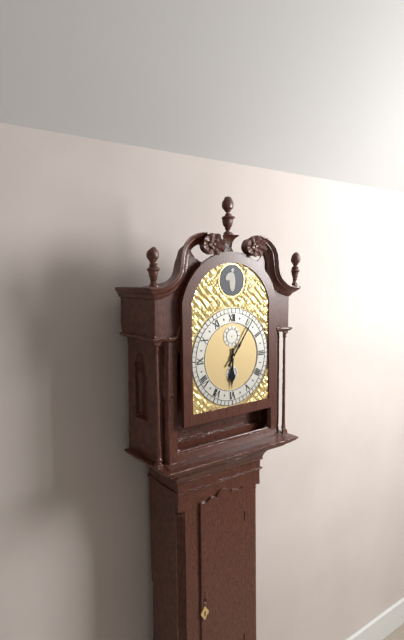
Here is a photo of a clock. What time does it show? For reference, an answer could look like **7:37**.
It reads **6:06**
